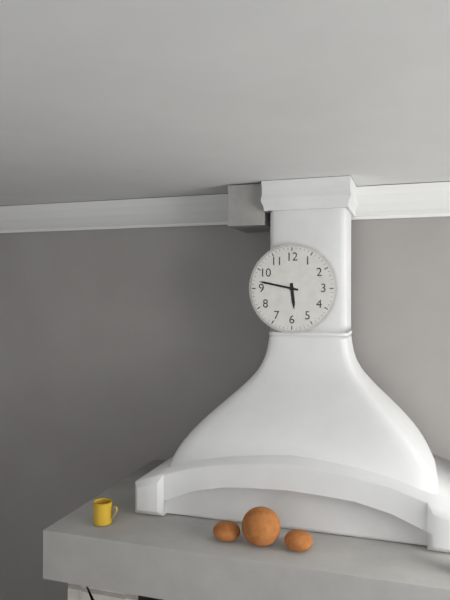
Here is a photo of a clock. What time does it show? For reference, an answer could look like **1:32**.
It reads **5:47**
